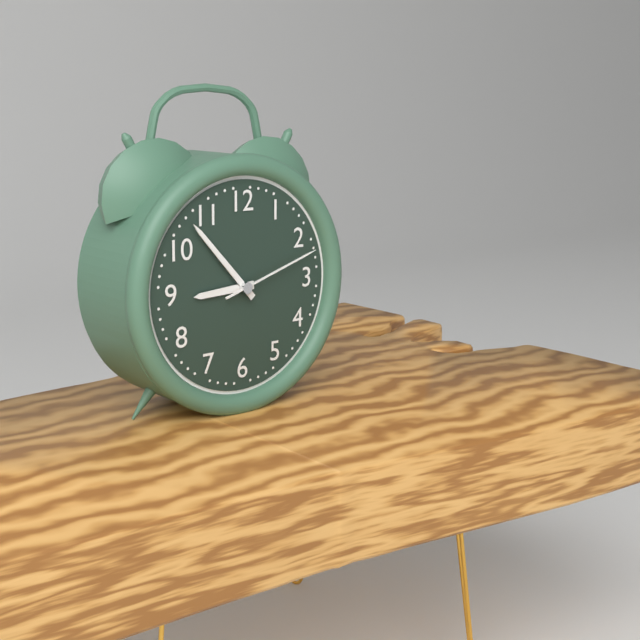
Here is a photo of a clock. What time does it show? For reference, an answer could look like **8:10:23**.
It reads **8:53:12**
